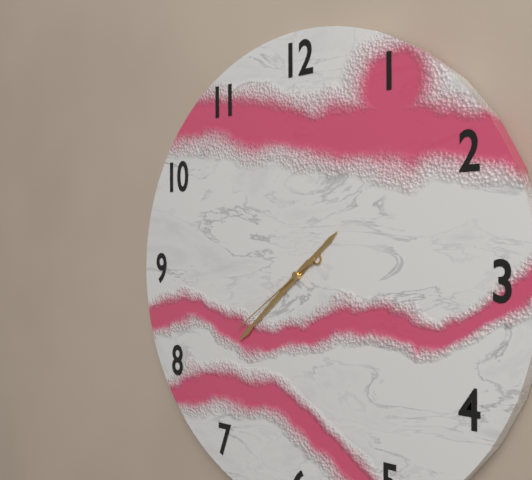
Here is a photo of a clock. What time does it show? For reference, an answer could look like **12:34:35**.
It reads **1:38:39**
